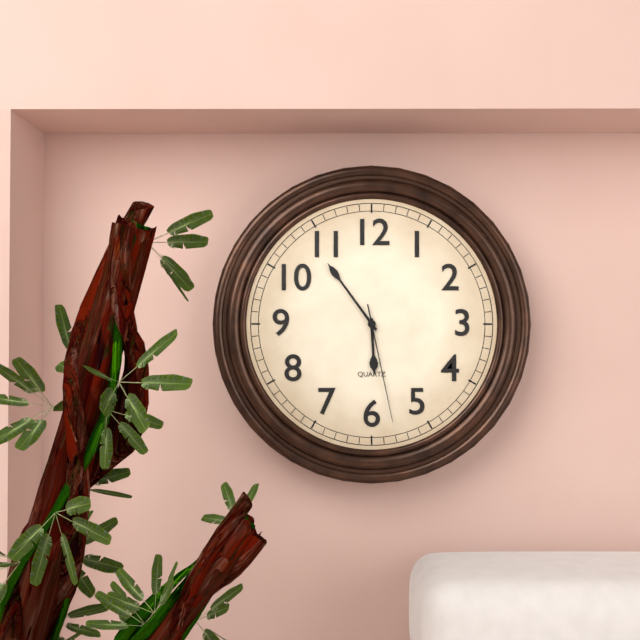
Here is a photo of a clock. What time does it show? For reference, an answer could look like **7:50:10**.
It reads **5:54:28**
